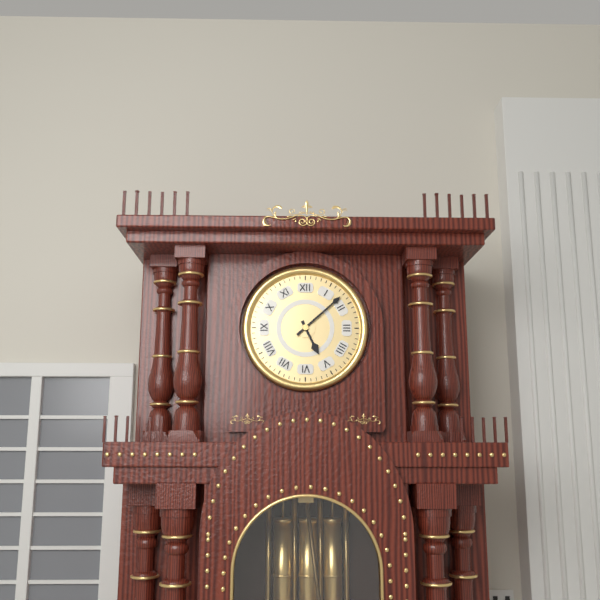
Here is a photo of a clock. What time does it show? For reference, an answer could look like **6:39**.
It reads **5:08**
